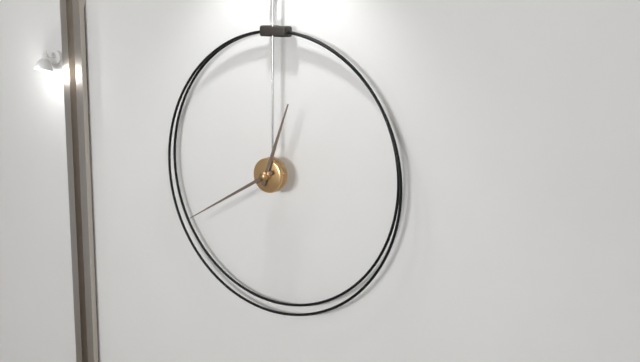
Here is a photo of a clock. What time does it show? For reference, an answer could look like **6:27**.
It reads **12:40**
